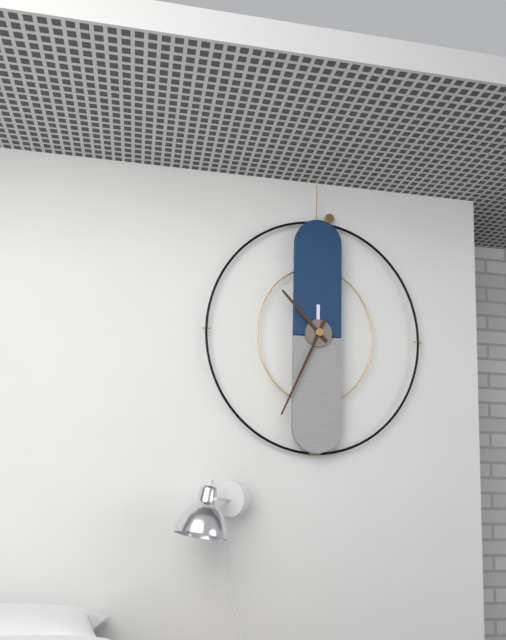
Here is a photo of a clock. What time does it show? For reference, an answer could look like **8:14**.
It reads **10:34**
